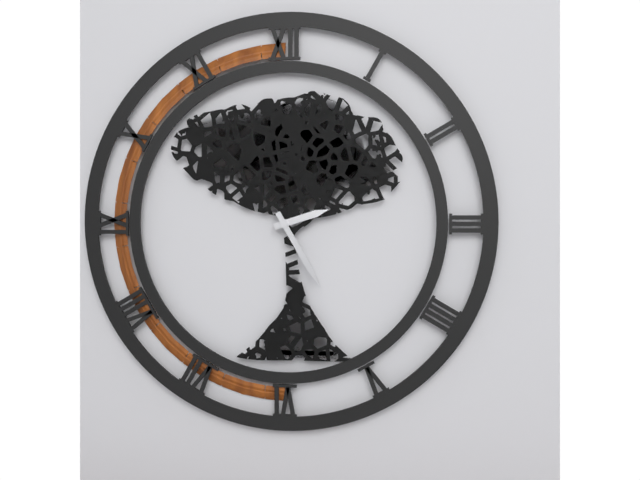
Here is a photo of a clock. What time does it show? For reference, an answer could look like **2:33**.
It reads **2:25**
